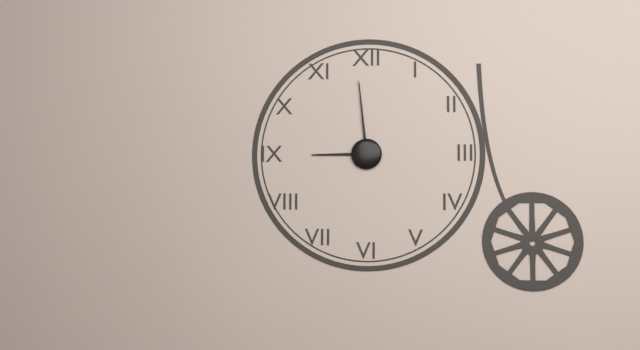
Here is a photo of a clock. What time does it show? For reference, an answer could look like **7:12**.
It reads **8:59**
